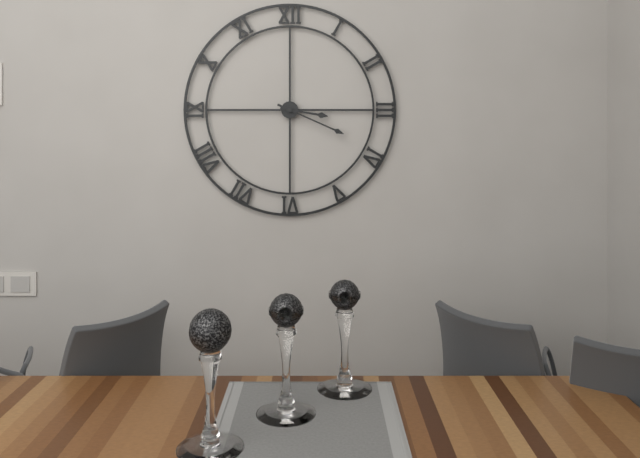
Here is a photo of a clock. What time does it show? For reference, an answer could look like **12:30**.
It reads **3:19**
